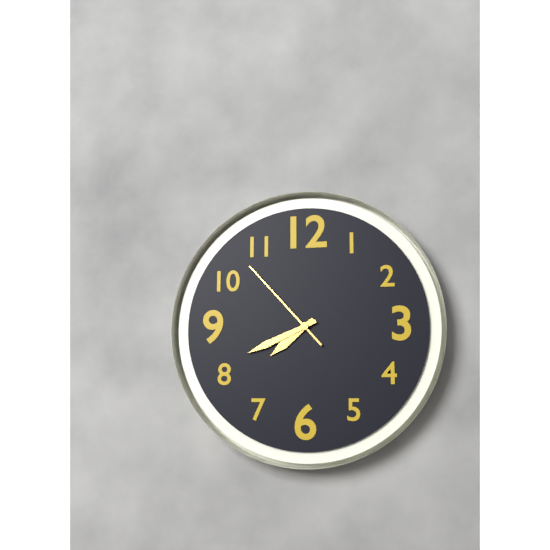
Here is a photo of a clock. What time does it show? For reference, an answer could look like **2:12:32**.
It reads **7:41:53**
